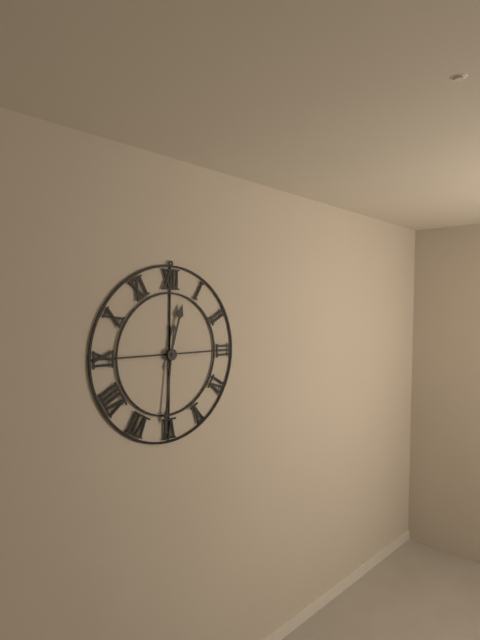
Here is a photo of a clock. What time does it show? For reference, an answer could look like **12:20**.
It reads **12:31**
